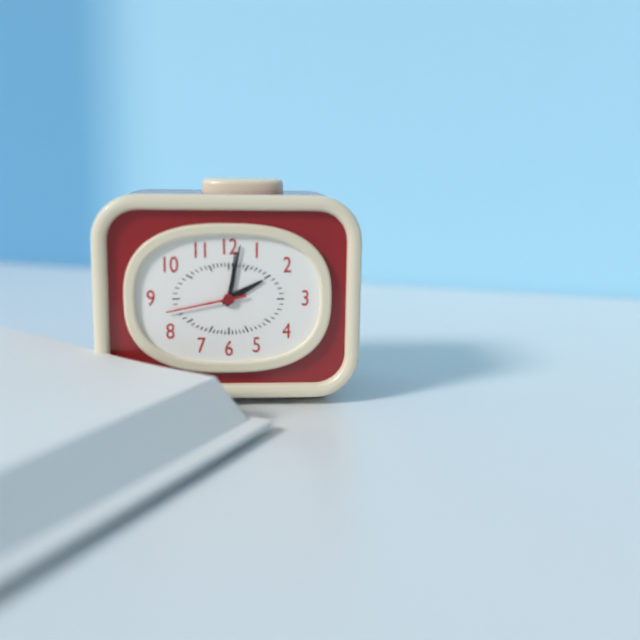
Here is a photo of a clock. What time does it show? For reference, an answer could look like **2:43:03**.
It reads **2:02:43**
